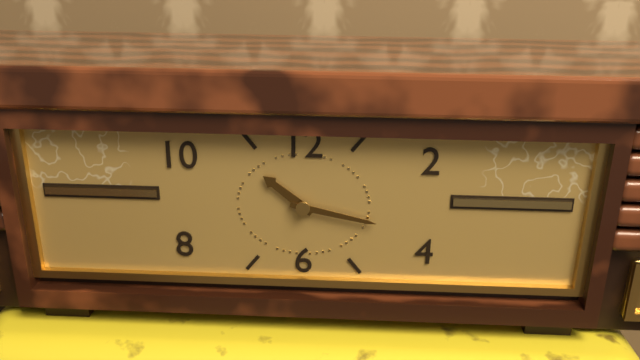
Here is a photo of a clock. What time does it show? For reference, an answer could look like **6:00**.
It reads **10:17**
